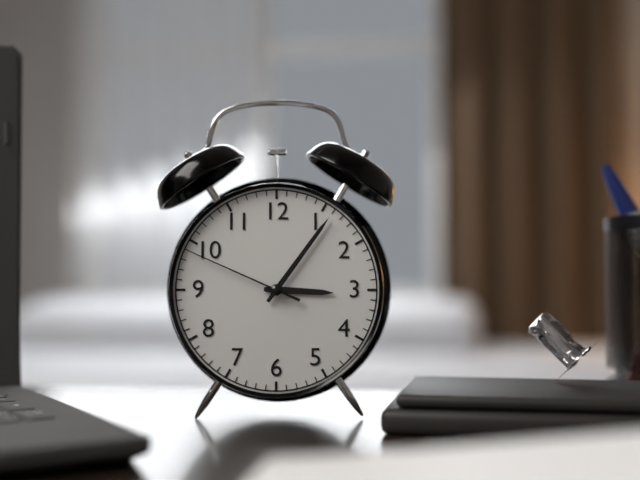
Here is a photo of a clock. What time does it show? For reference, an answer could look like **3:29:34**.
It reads **3:06:49**
